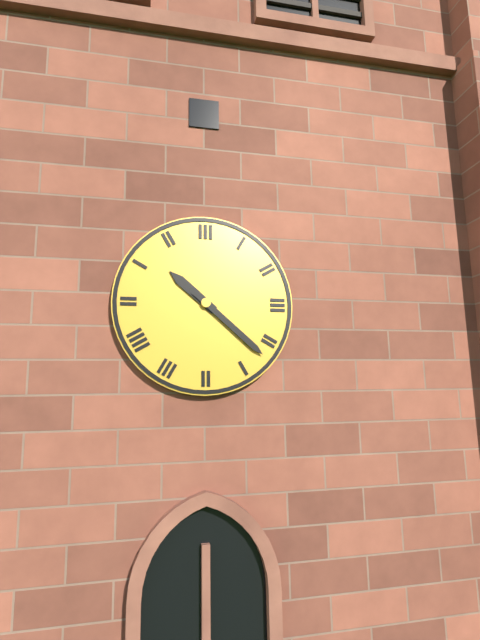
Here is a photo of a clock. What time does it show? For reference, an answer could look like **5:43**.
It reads **10:22**
